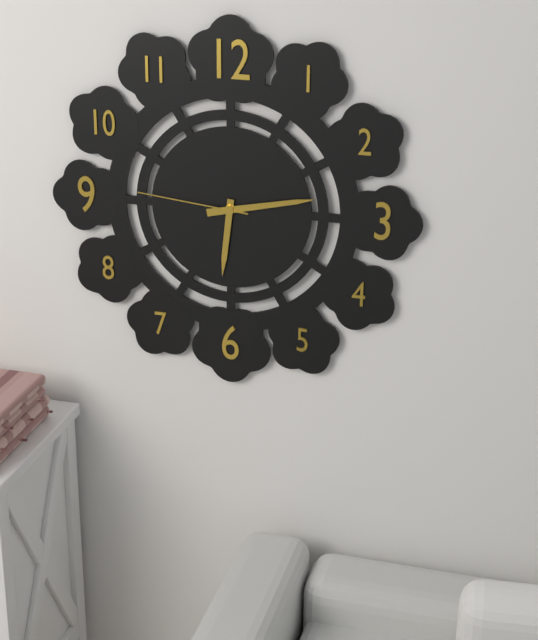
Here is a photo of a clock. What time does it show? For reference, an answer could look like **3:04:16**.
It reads **6:13:46**
